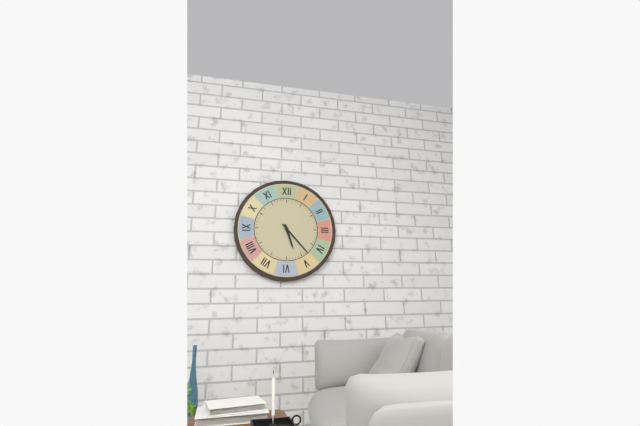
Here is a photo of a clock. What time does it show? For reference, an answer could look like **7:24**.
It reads **5:23**
